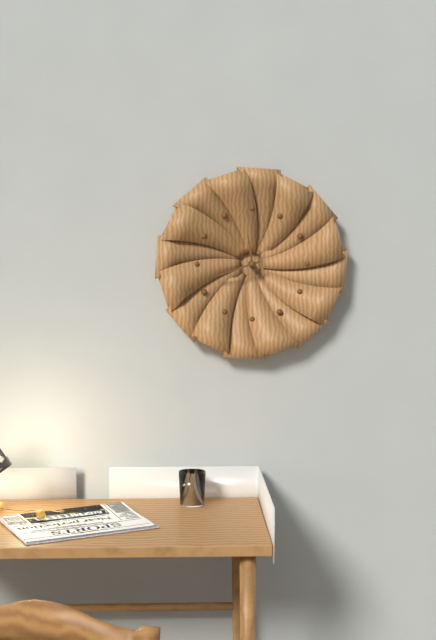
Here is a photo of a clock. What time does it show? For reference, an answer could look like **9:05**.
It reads **11:42**
